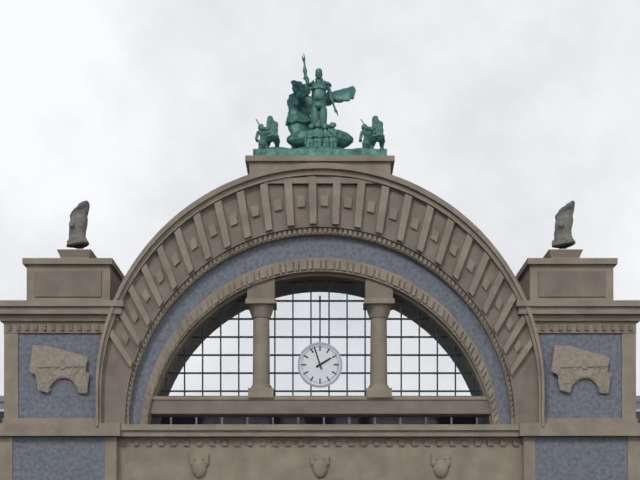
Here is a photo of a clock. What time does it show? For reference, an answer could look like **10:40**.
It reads **1:57**
